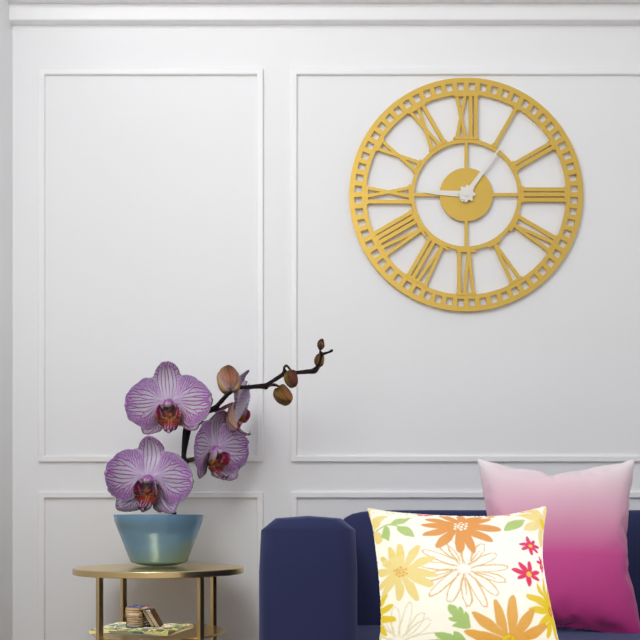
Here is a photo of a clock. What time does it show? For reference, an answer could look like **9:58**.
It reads **9:06**
